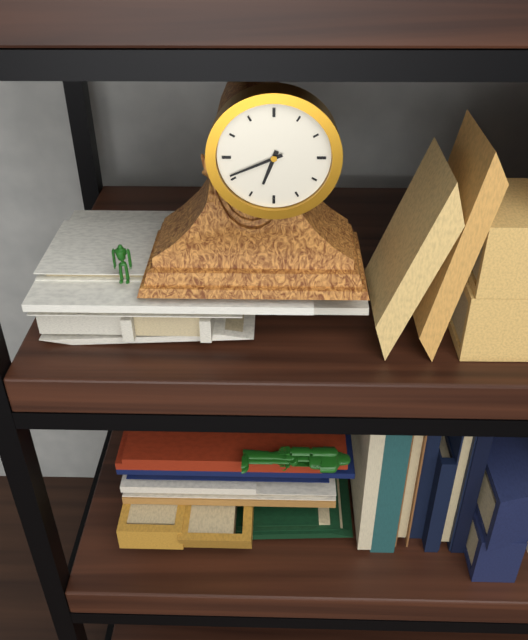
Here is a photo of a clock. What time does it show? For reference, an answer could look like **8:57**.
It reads **6:41**
